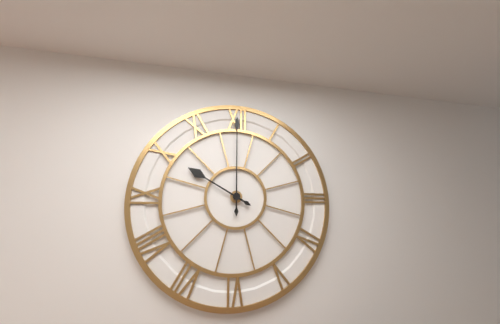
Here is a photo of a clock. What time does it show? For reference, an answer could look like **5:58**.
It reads **10:00**
